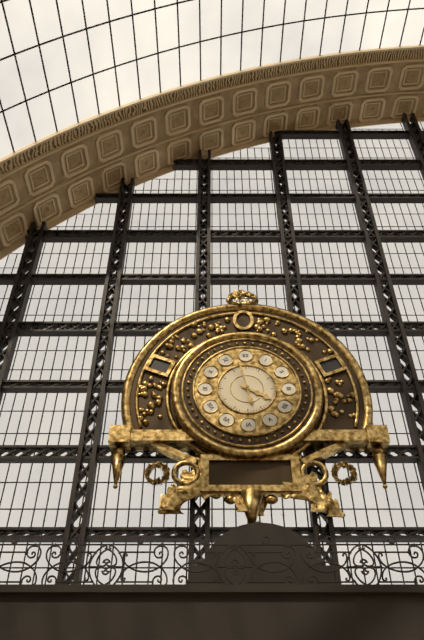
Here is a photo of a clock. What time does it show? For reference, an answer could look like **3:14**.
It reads **3:58**
